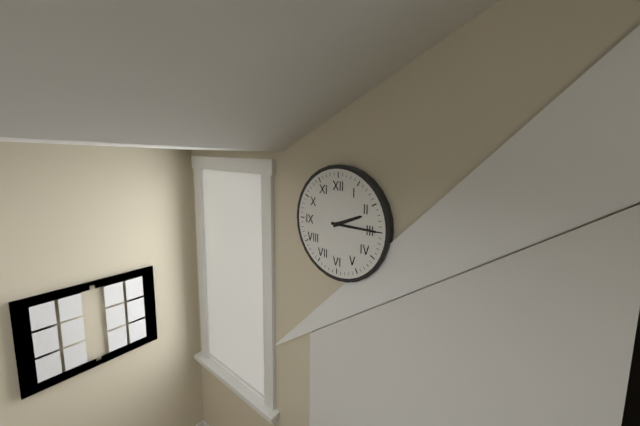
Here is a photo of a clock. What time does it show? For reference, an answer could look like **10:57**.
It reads **2:15**
